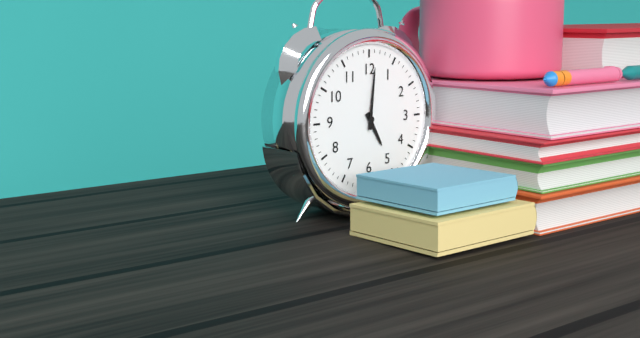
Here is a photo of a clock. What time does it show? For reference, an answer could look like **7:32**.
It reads **5:01**
